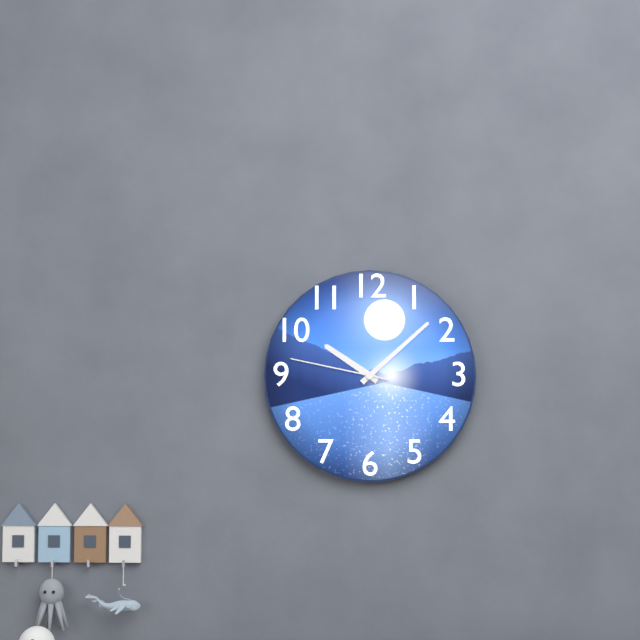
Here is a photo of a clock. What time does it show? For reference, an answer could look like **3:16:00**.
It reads **10:08:47**
